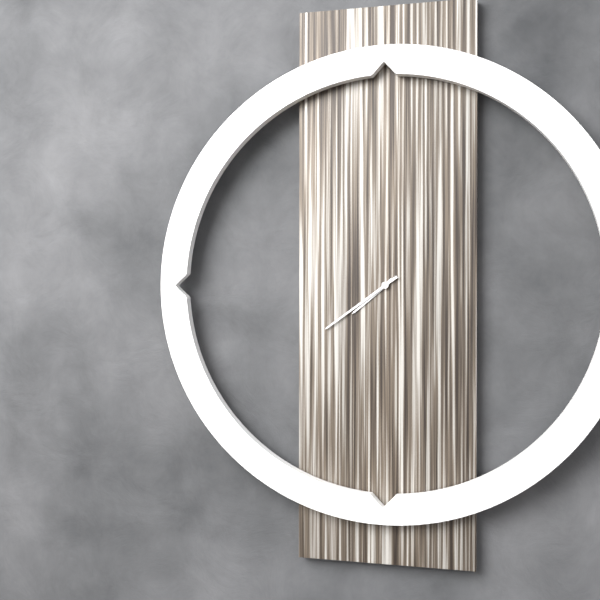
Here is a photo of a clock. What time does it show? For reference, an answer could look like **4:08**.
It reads **7:39**
